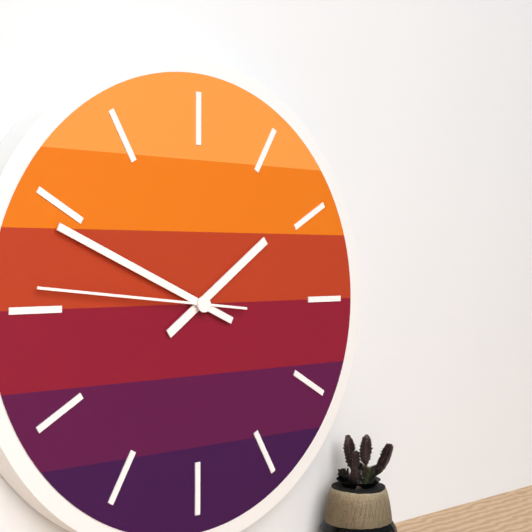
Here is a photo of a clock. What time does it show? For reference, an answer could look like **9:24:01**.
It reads **1:49:46**
